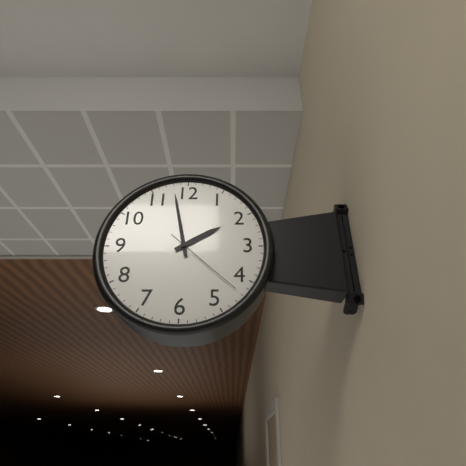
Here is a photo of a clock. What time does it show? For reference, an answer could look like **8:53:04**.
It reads **1:58:22**
